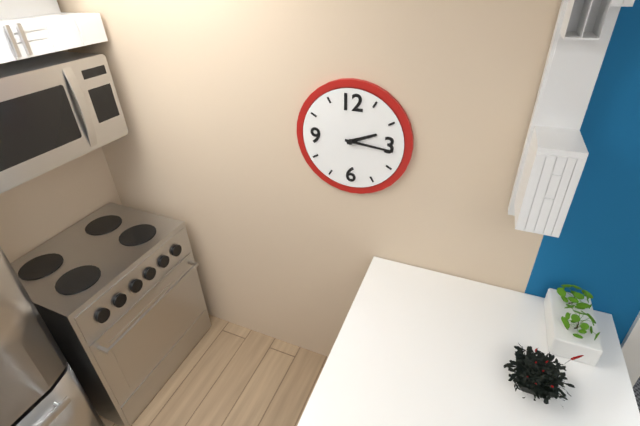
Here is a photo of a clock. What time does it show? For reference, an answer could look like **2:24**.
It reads **2:16**
